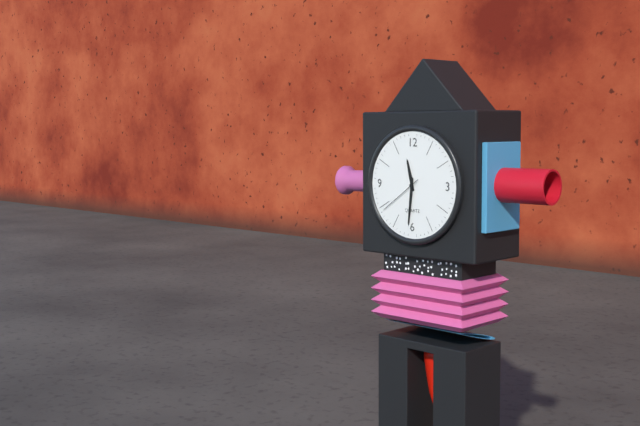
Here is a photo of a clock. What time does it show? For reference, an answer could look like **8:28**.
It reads **11:31**
